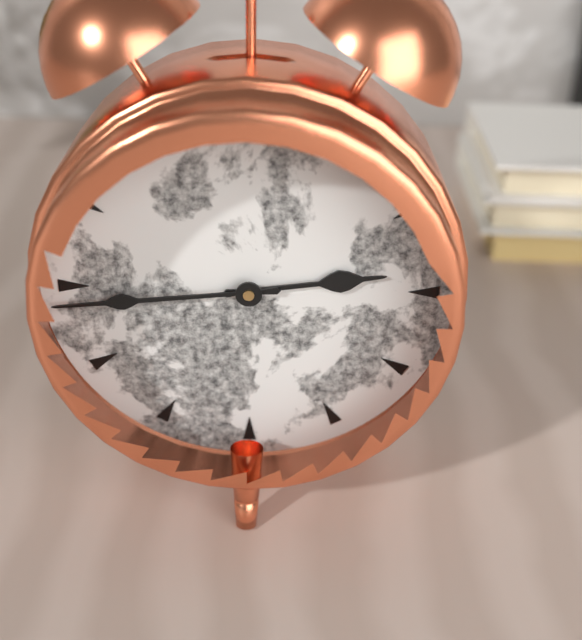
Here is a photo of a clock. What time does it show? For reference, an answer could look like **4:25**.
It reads **2:44**
